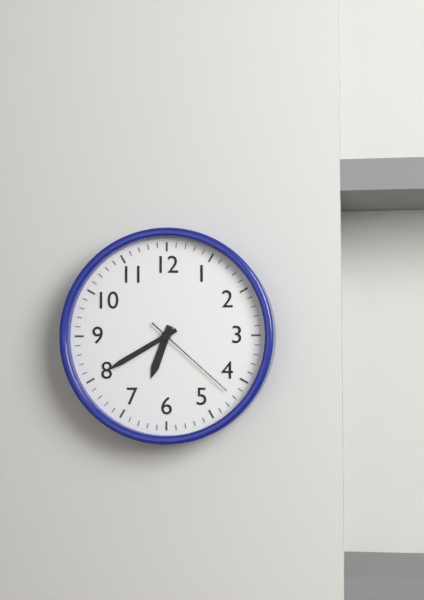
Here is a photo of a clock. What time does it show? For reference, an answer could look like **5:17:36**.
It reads **6:40:22**
